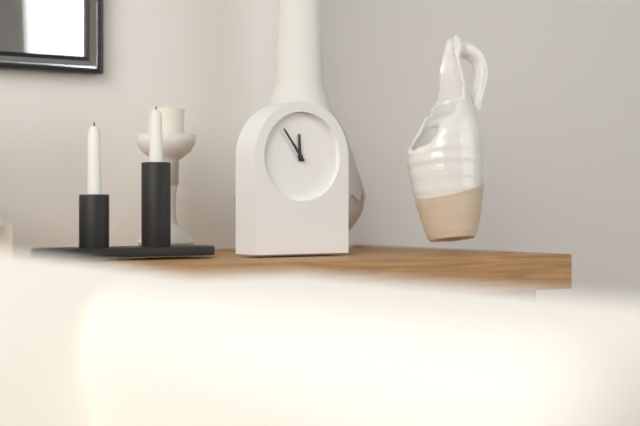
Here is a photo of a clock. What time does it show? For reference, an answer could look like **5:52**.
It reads **11:54**
